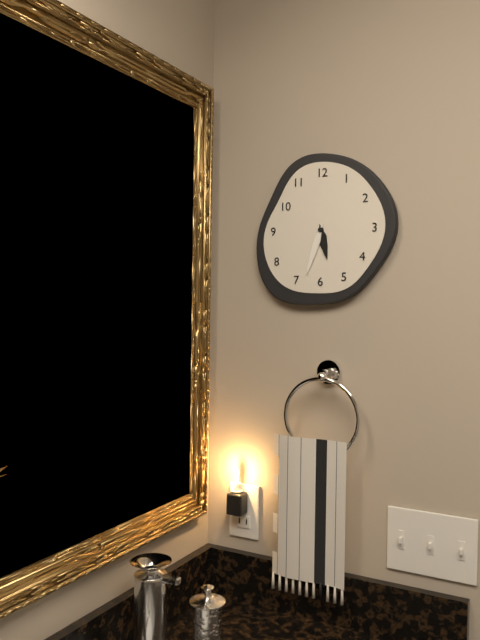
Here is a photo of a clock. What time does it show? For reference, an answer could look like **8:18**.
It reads **5:33**
